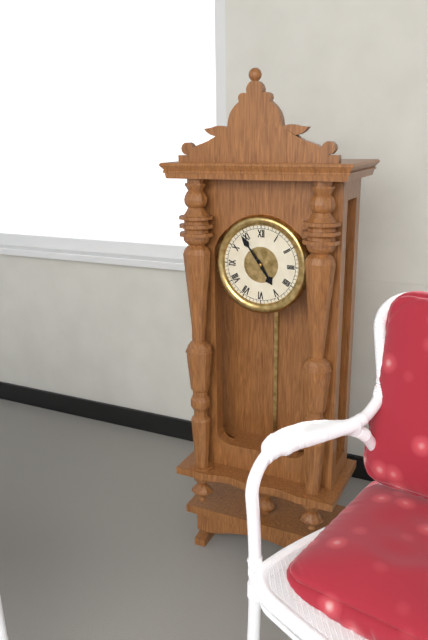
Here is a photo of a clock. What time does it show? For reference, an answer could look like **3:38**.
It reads **4:54**
